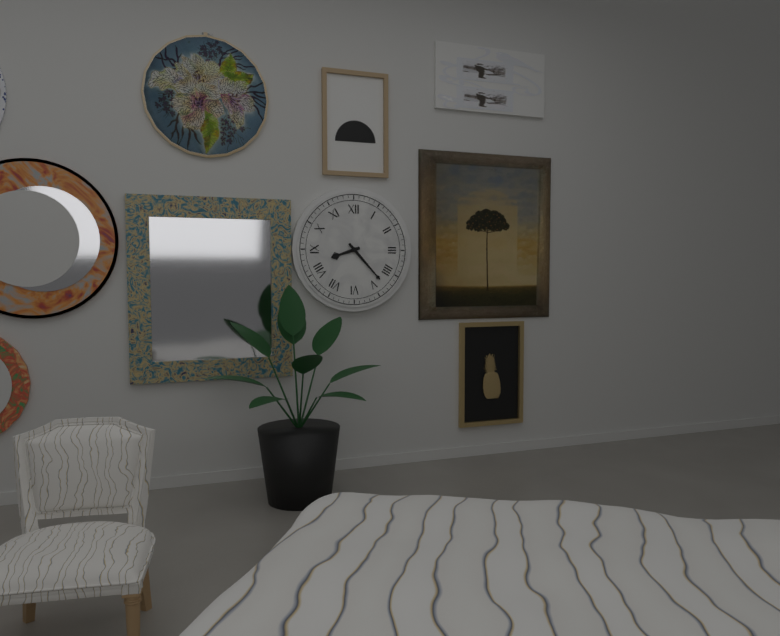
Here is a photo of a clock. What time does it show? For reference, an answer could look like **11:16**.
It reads **8:23**
